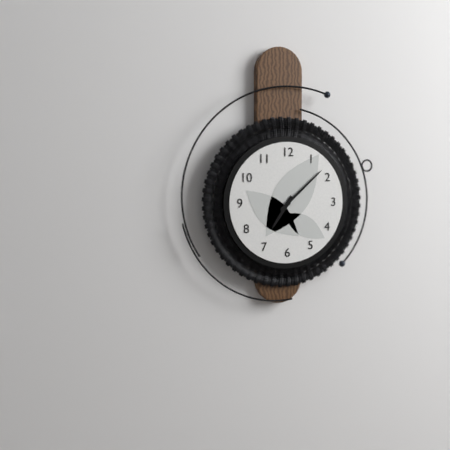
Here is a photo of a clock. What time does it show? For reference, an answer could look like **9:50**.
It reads **7:08**
